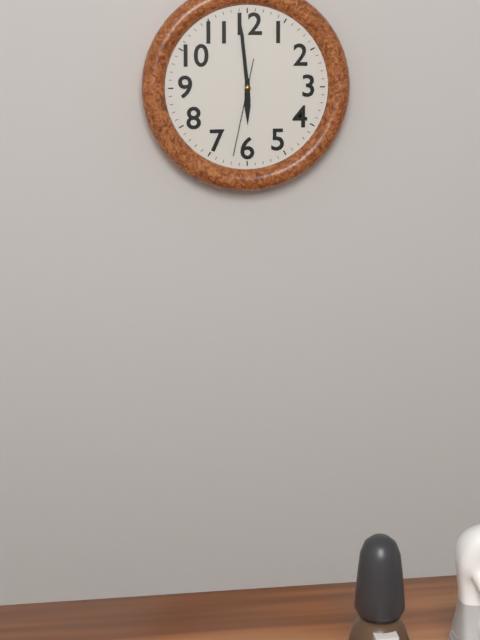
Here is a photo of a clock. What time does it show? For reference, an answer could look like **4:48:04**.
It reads **5:59:32**
